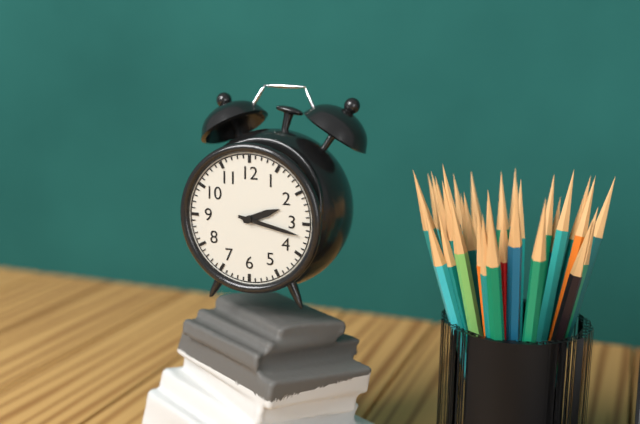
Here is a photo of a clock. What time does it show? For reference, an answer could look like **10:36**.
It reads **2:17**
